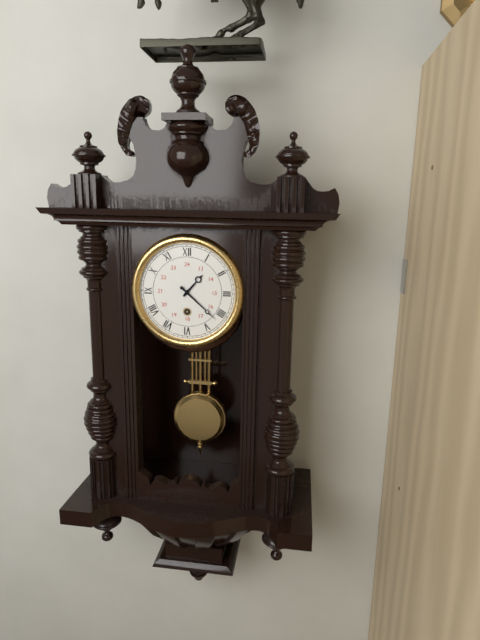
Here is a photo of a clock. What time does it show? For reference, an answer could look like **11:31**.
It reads **1:22**
